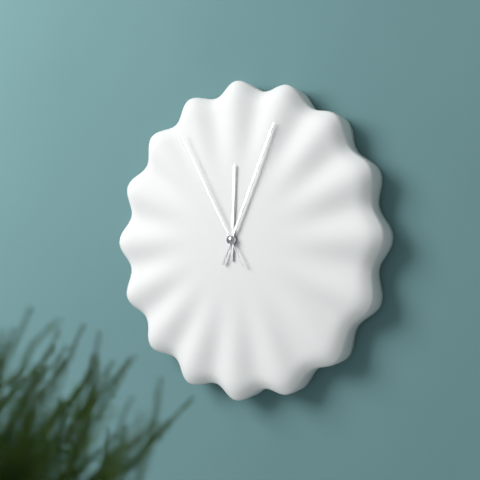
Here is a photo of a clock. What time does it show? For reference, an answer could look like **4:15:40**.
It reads **12:04:55**
